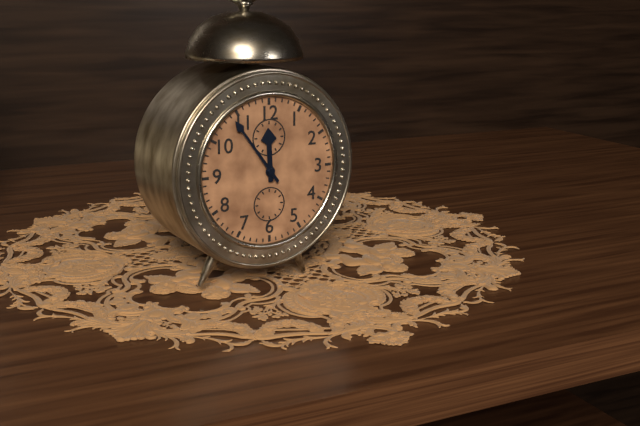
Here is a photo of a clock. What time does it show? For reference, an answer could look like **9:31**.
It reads **11:54**
